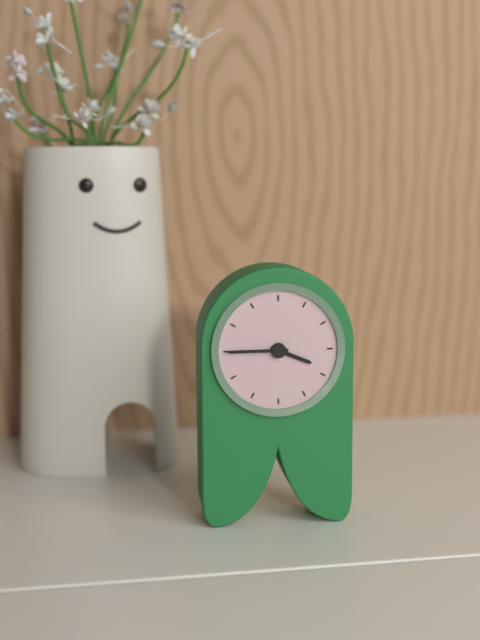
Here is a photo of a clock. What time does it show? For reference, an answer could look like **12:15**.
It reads **3:45**
